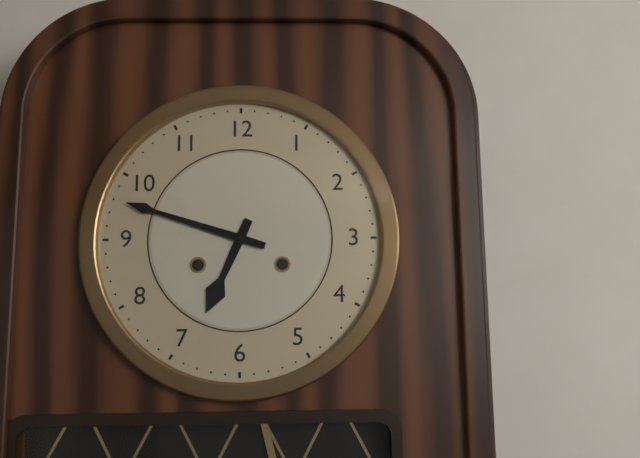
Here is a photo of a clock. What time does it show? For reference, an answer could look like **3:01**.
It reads **6:48**
